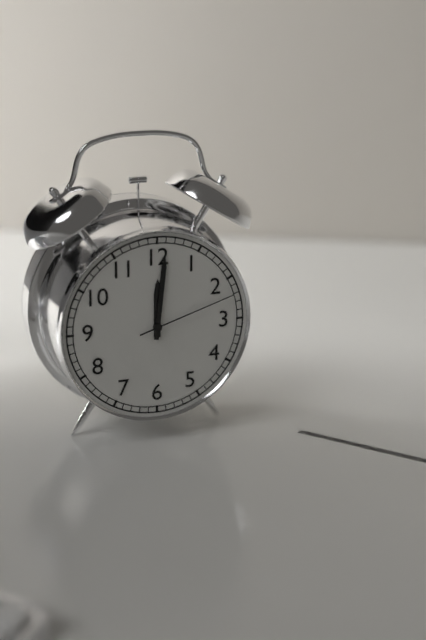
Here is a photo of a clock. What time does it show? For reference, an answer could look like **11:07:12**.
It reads **12:01:12**
